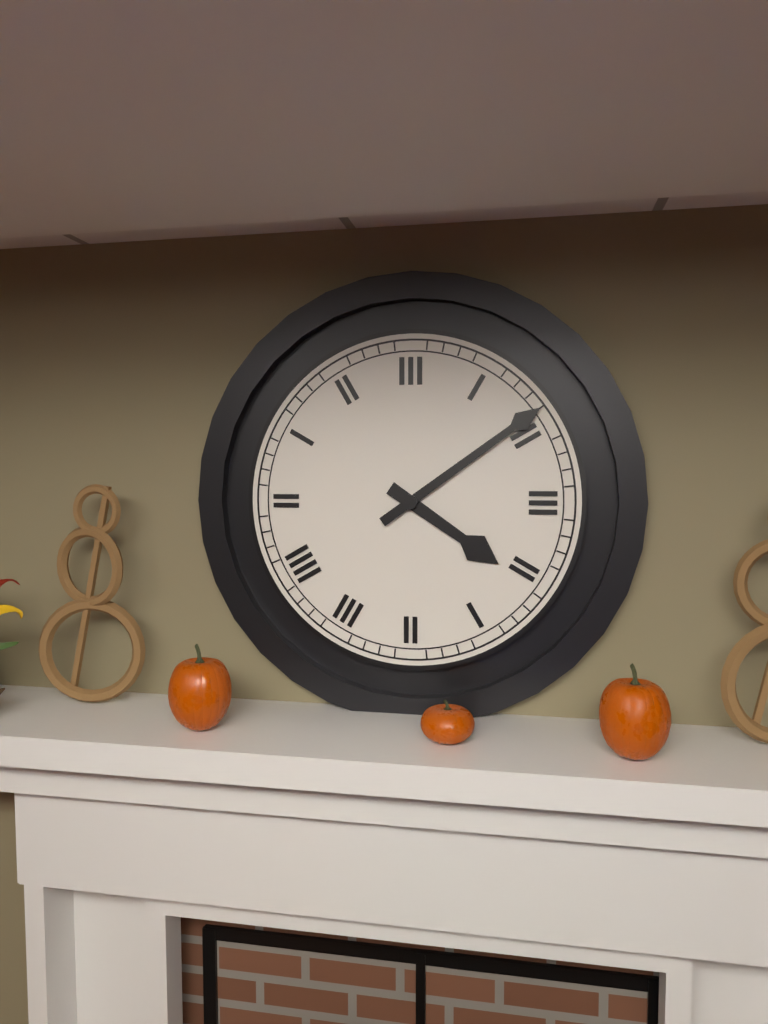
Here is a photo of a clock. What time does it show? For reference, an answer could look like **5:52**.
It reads **4:09**
